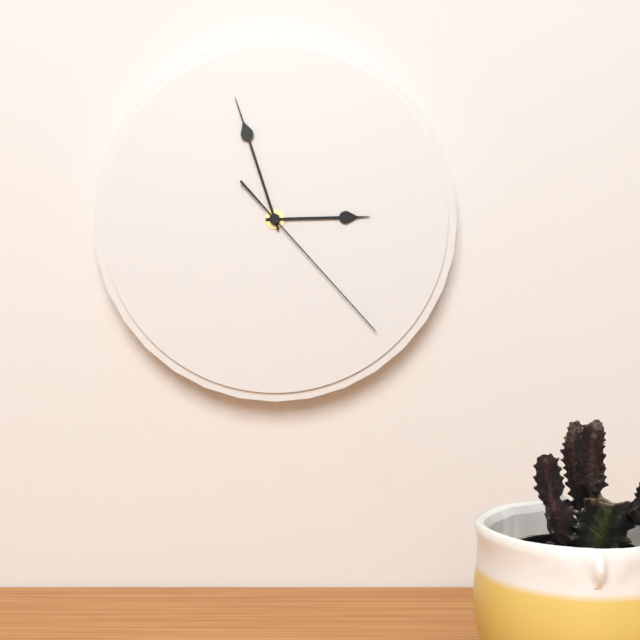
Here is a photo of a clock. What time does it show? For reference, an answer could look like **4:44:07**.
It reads **2:57:23**
